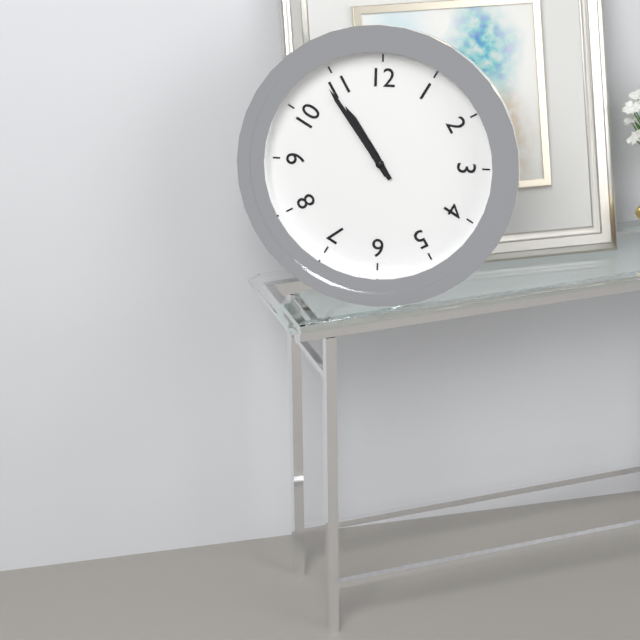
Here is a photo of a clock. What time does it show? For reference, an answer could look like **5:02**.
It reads **10:54**
